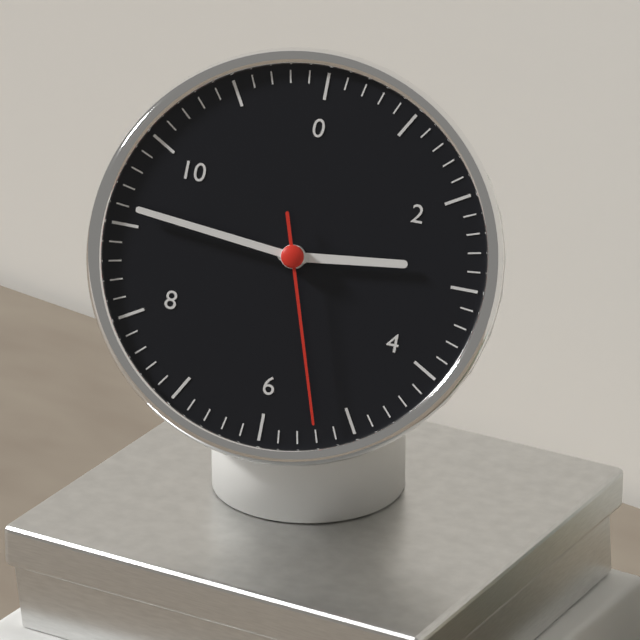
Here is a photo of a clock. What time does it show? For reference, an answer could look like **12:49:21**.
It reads **2:46:27**
